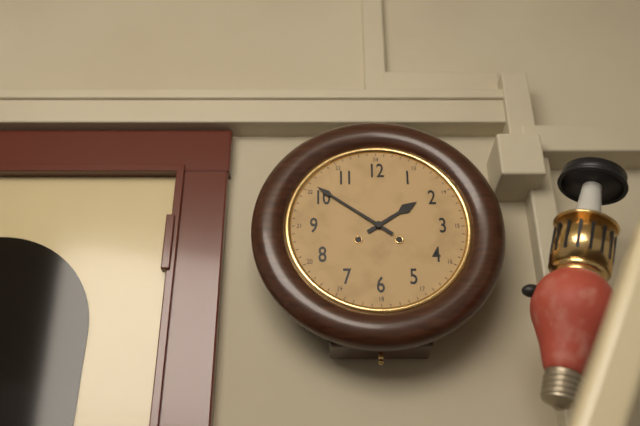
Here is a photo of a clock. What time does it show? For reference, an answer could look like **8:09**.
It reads **1:51**
